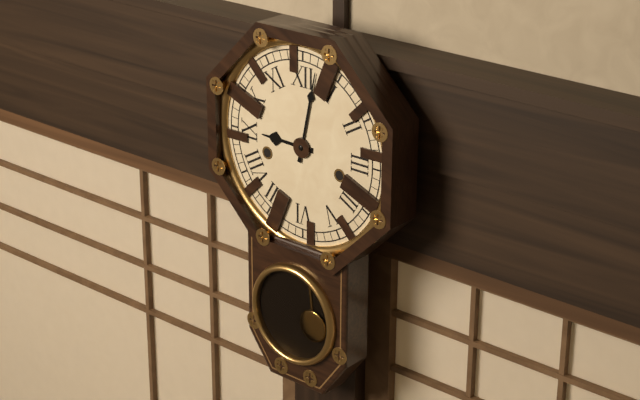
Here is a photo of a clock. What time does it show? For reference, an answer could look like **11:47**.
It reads **9:02**
